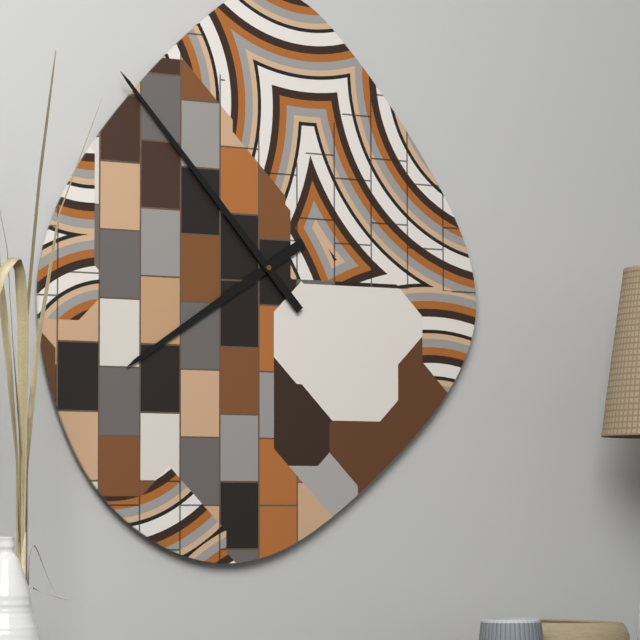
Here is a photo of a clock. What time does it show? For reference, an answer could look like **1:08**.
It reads **7:53**
